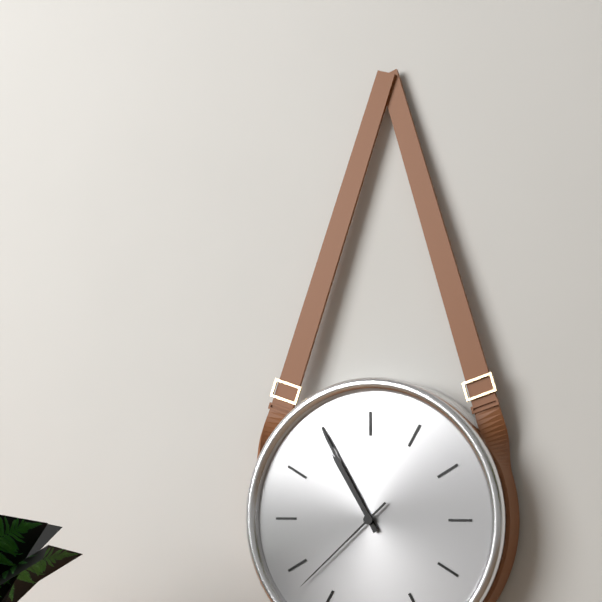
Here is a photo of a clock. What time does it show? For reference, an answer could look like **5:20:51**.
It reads **10:55:38**
